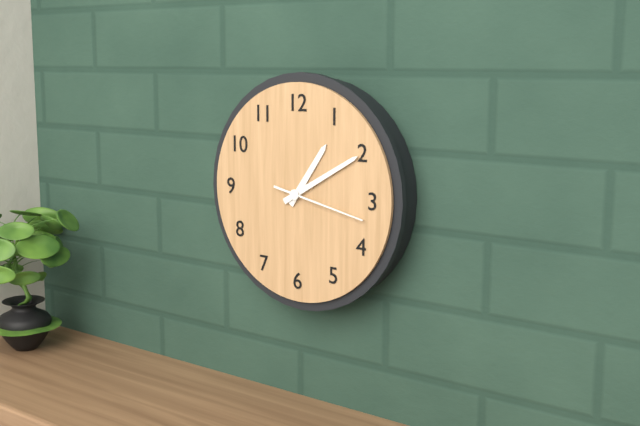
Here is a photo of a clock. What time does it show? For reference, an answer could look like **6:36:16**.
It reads **1:10:17**
